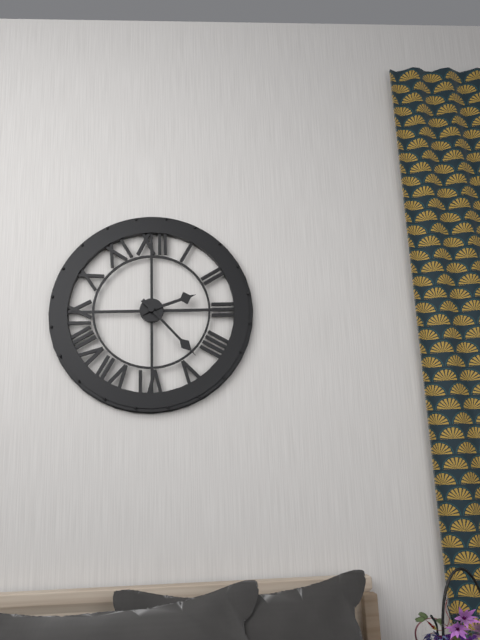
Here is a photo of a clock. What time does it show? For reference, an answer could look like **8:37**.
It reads **2:23**
